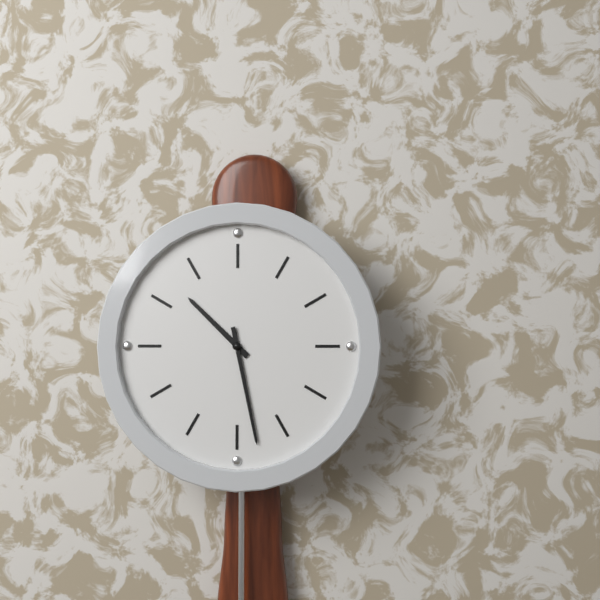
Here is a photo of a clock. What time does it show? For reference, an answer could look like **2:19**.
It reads **10:28**
